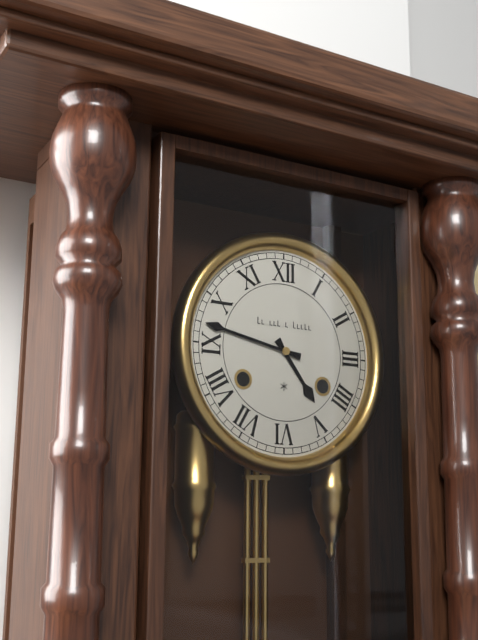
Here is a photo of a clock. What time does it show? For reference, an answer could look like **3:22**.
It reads **4:47**
